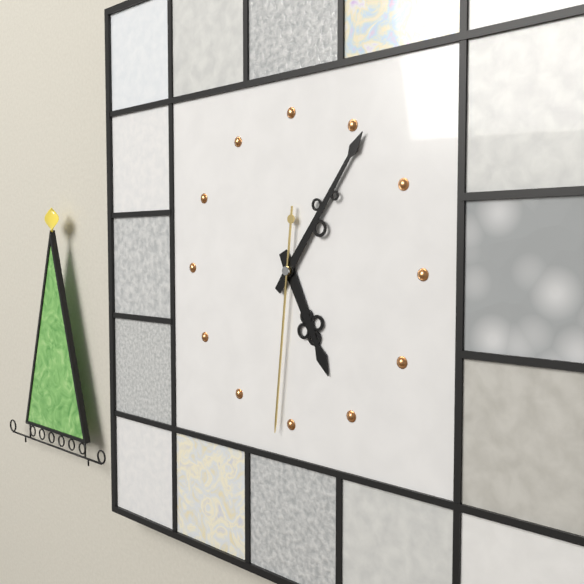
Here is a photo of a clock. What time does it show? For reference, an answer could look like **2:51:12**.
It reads **5:06:31**
